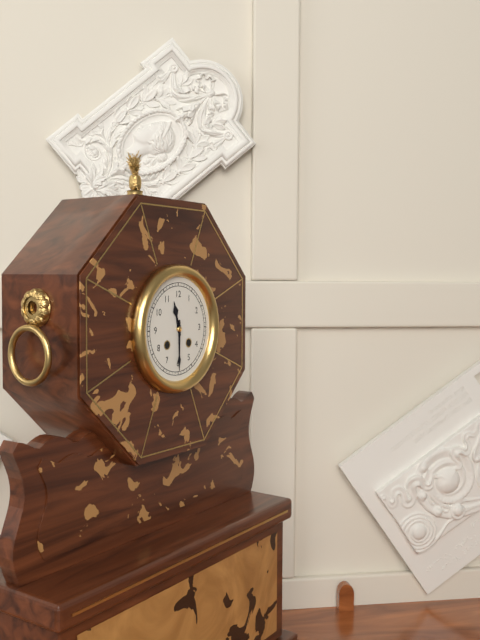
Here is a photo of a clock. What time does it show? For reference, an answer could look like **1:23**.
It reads **11:30**
